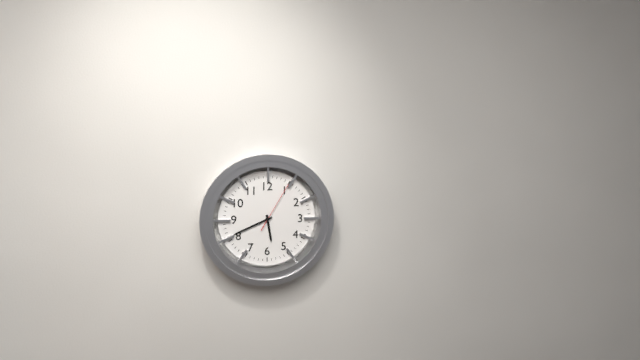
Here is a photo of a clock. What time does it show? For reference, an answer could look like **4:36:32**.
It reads **5:41:05**
